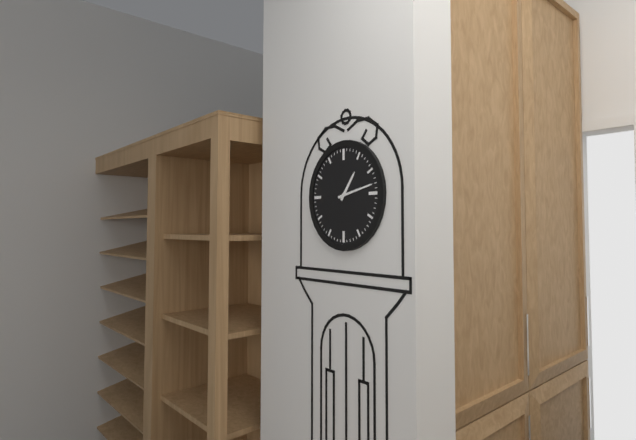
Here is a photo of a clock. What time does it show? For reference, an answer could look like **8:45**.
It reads **1:13**
